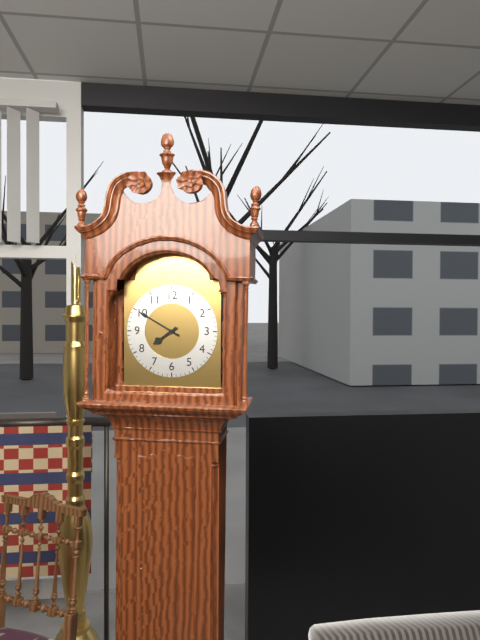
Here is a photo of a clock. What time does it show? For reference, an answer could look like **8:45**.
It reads **7:50**
